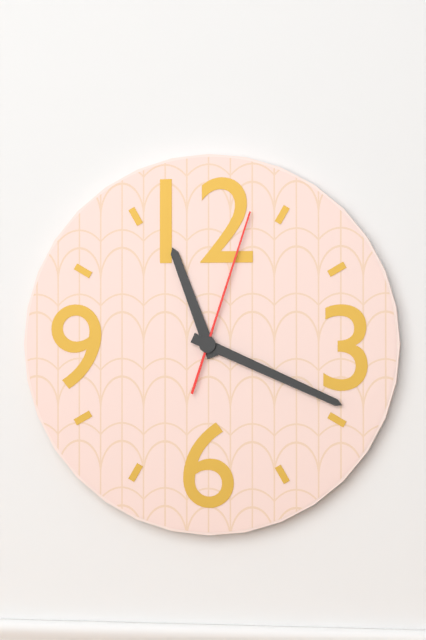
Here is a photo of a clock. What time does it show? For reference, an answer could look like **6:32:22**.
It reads **11:19:03**
